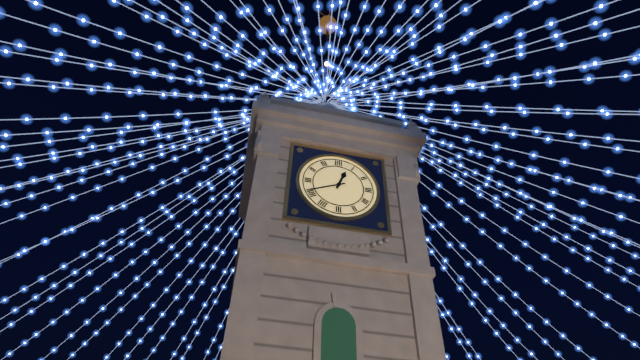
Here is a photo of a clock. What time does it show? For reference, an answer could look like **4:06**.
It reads **12:41**
